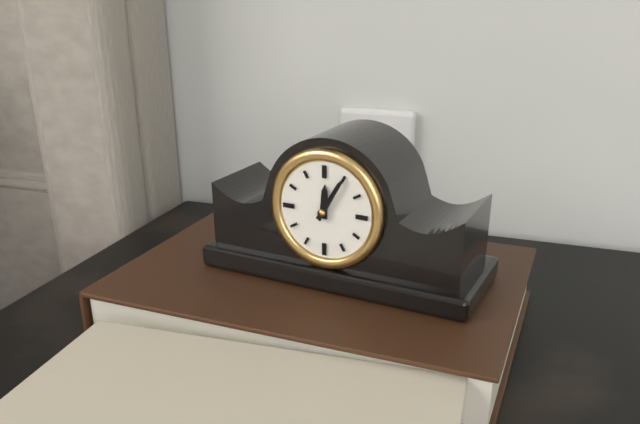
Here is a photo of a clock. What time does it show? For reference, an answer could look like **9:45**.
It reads **12:05**
